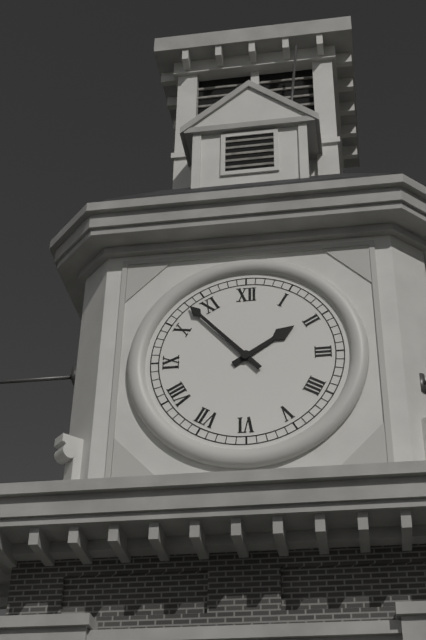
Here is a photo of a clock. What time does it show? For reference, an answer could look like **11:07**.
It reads **1:53**
